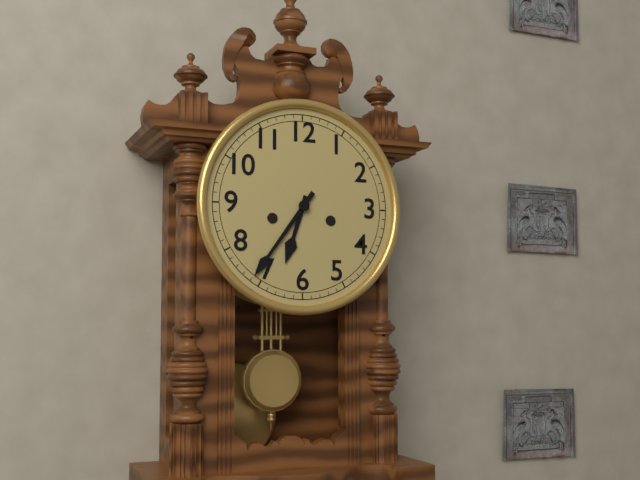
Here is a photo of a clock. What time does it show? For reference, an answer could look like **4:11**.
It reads **6:36**
